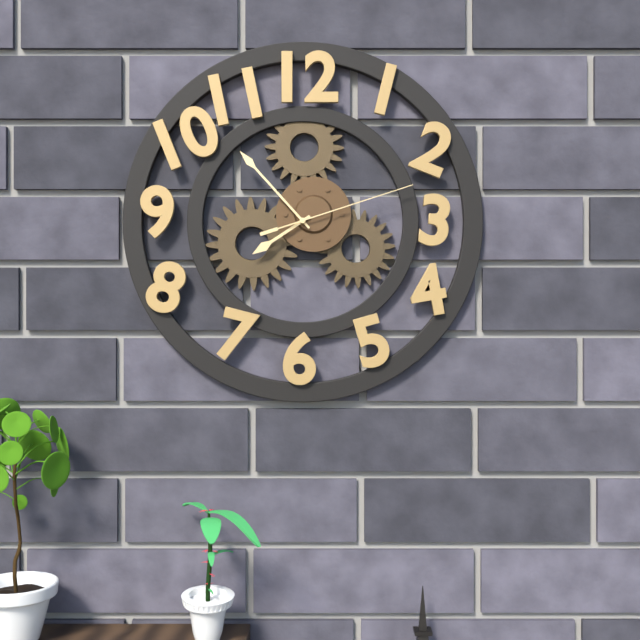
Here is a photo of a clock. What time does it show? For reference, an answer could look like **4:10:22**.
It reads **7:53:12**
